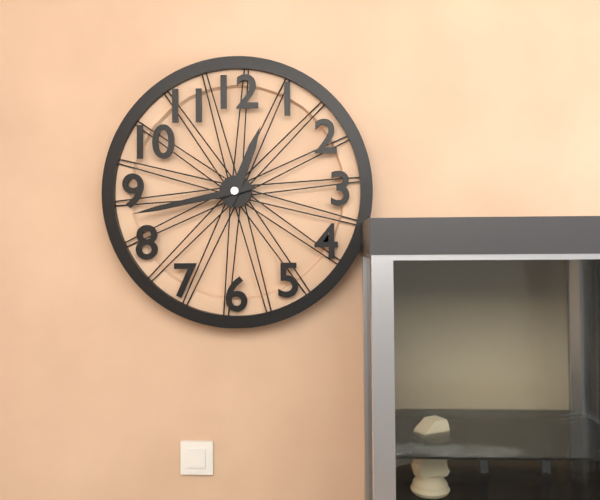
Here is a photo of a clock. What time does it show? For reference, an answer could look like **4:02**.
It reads **12:43**
